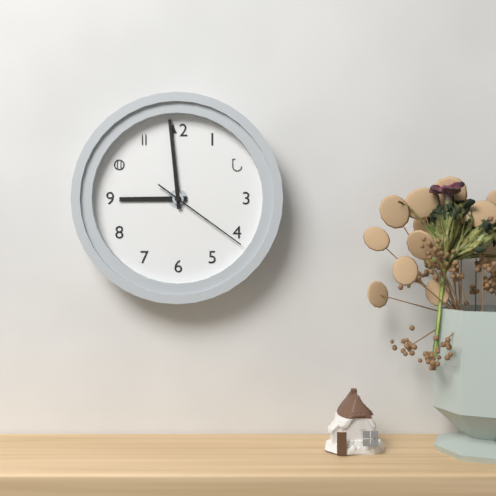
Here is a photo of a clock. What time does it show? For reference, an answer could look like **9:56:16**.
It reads **8:59:21**
